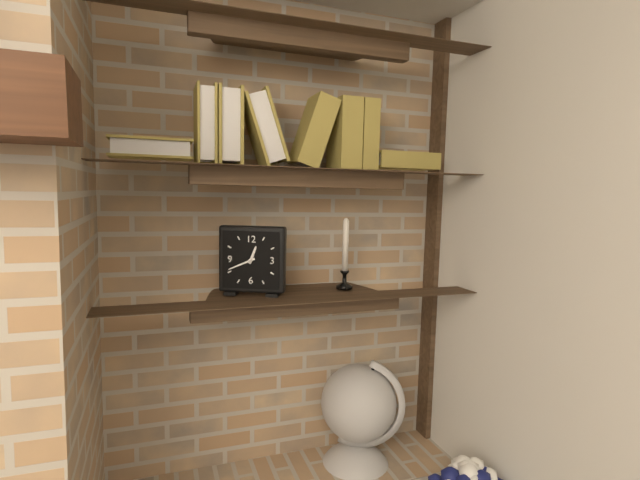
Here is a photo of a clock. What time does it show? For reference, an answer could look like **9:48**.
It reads **12:41**
